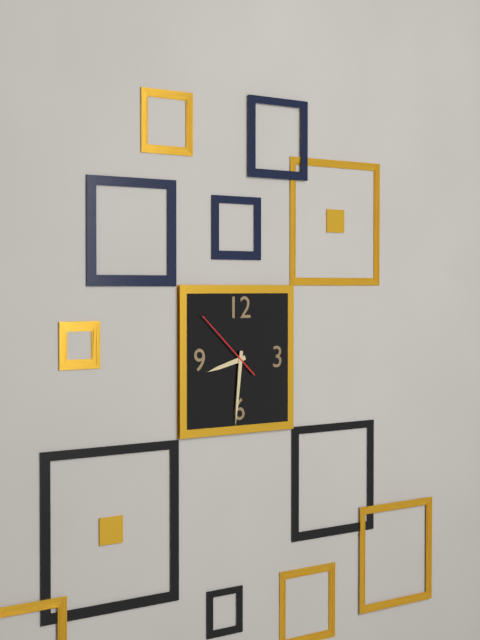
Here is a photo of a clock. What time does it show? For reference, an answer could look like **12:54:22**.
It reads **8:31:52**
